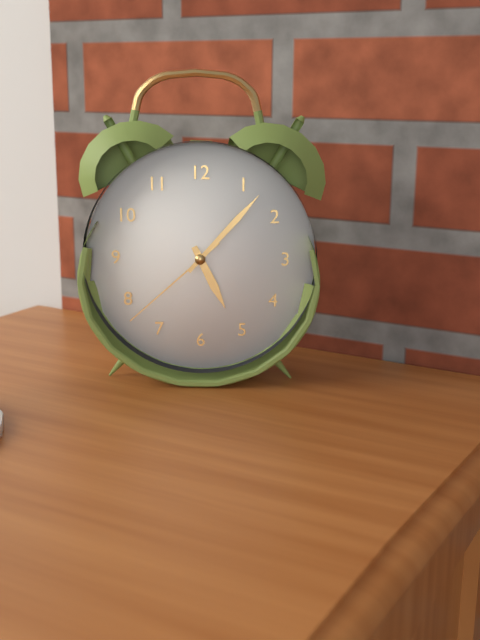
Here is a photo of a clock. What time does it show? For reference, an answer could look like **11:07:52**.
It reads **5:07:38**
